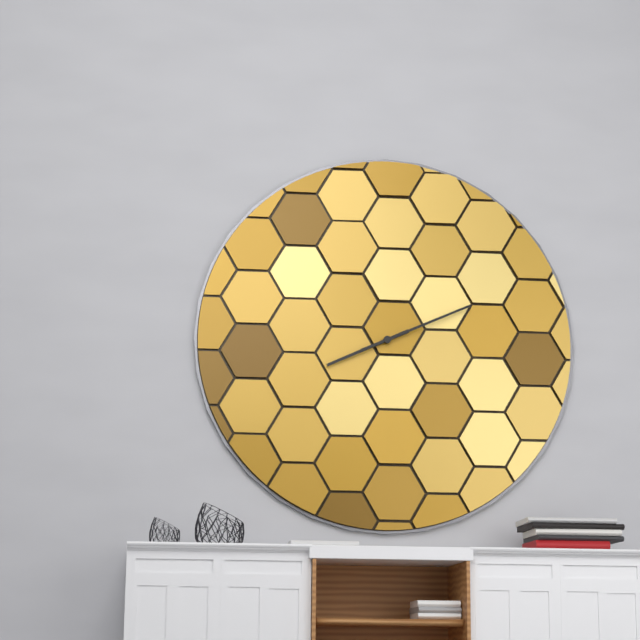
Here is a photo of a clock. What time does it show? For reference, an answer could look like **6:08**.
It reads **8:11**
